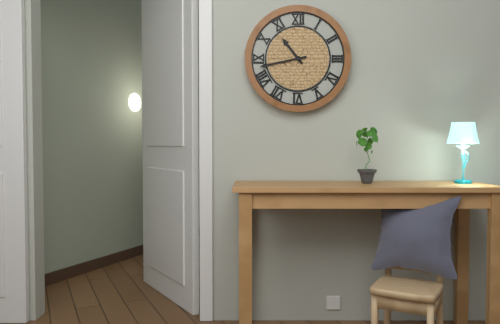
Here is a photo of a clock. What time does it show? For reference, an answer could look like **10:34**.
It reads **10:43**
